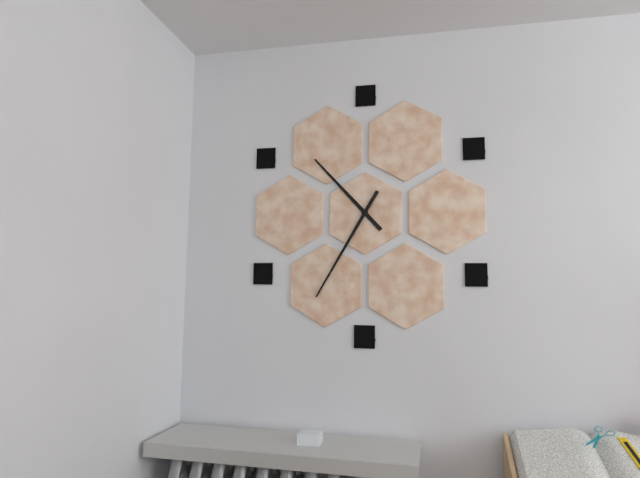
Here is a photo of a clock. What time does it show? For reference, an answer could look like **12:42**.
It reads **10:35**
